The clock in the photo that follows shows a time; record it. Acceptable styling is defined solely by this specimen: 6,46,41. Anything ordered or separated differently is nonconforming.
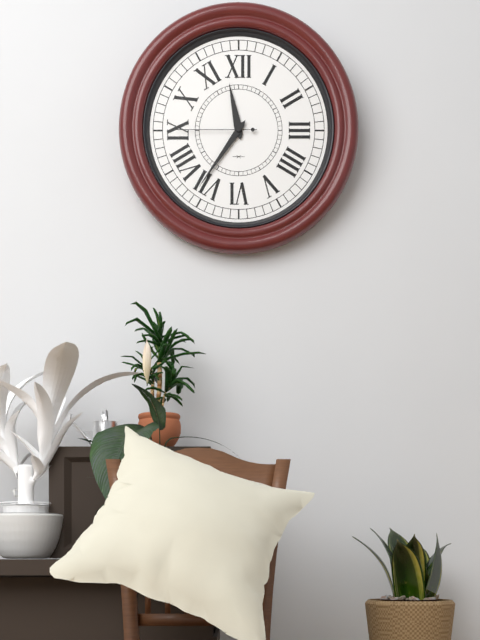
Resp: 11,36,45
